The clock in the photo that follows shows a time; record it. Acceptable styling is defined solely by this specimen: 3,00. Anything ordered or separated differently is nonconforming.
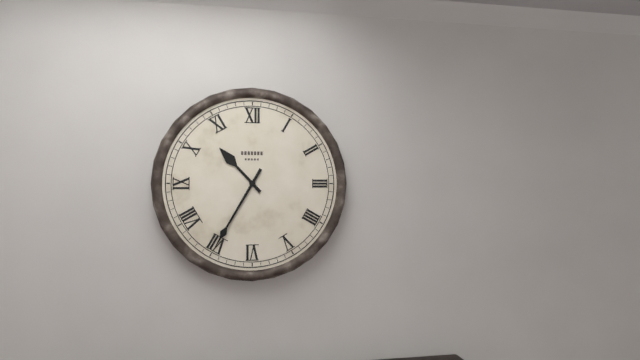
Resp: 10,35
